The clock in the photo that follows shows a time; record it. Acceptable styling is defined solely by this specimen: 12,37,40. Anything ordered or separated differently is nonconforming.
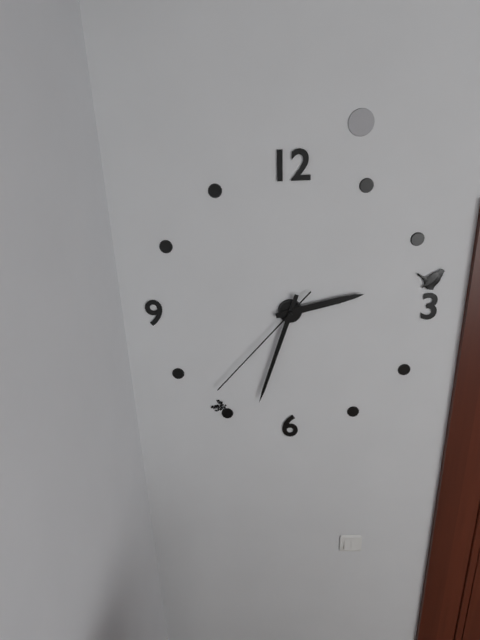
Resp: 2,33,37
